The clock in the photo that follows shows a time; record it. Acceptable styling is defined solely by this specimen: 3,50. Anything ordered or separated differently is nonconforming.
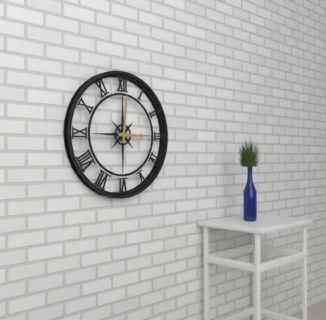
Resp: 3,01
